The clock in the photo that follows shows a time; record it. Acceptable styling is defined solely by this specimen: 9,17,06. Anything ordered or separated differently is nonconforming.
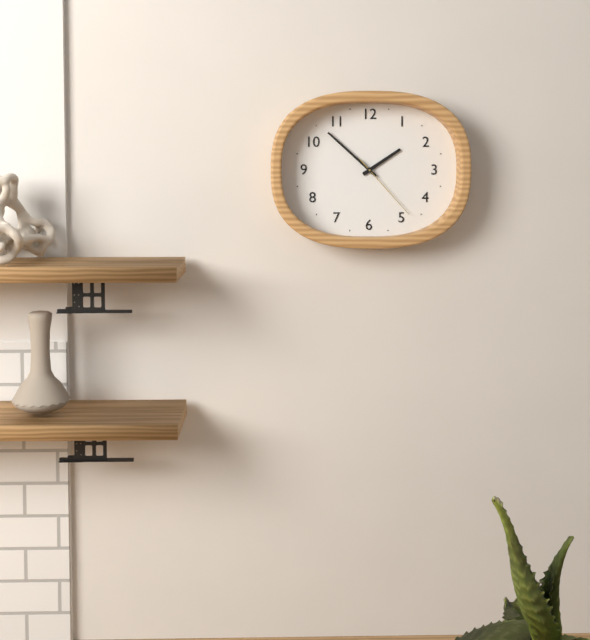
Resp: 1,52,23
